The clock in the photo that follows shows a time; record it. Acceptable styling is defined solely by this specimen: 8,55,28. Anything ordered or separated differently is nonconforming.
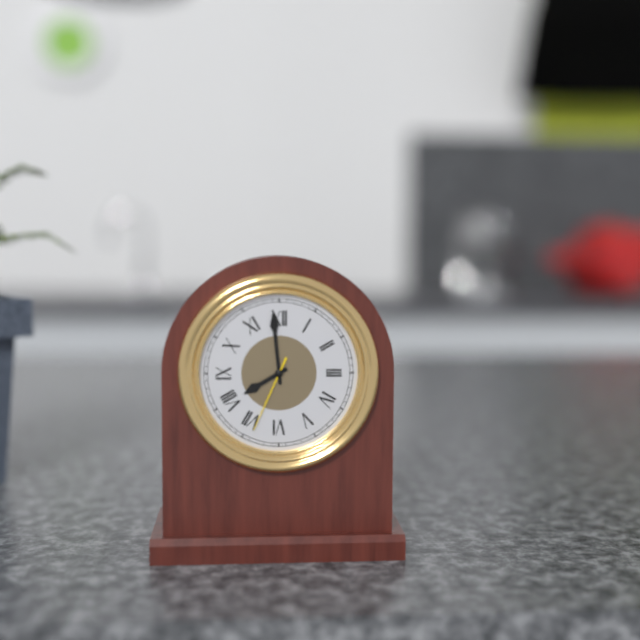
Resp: 7,59,34
